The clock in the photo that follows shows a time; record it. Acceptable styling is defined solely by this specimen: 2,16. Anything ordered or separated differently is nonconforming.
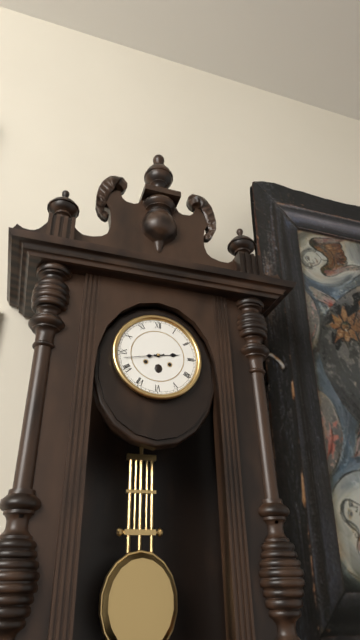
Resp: 2,43
